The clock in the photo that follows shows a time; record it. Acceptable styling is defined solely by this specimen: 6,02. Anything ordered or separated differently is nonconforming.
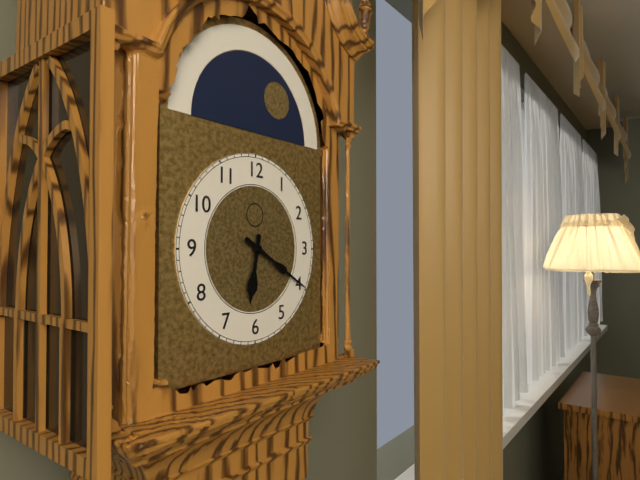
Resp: 6,20
